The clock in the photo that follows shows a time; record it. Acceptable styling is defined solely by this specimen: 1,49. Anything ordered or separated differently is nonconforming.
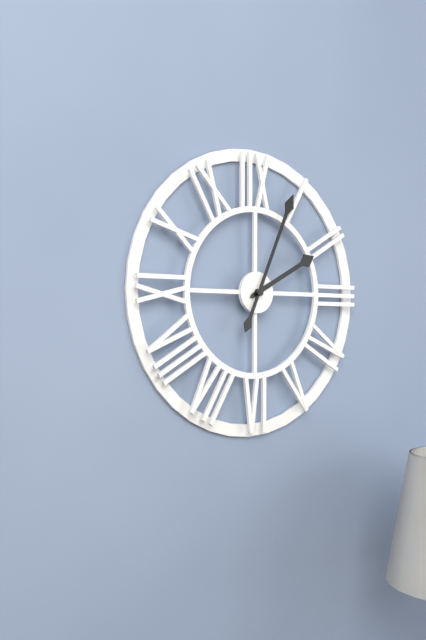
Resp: 2,04
